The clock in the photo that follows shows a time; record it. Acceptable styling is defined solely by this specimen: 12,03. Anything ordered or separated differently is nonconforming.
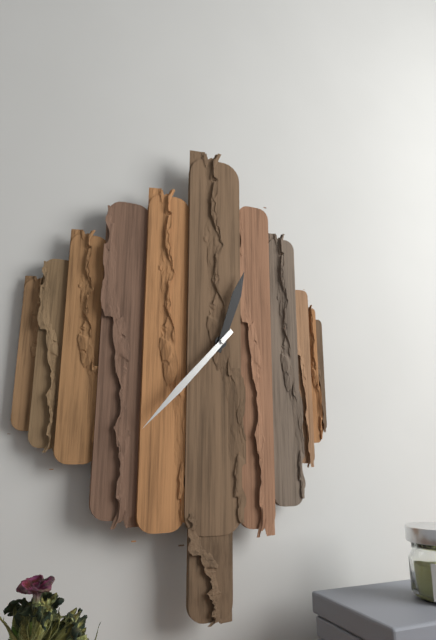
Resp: 12,37
